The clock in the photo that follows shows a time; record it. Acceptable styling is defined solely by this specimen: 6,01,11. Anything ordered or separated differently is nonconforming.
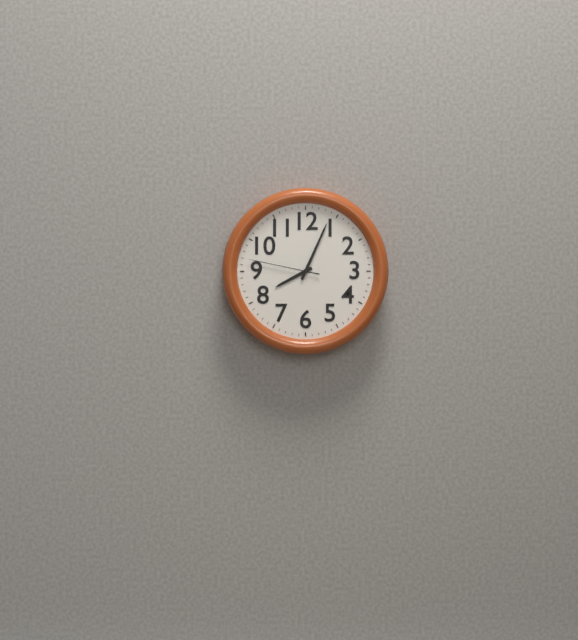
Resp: 8,04,47
